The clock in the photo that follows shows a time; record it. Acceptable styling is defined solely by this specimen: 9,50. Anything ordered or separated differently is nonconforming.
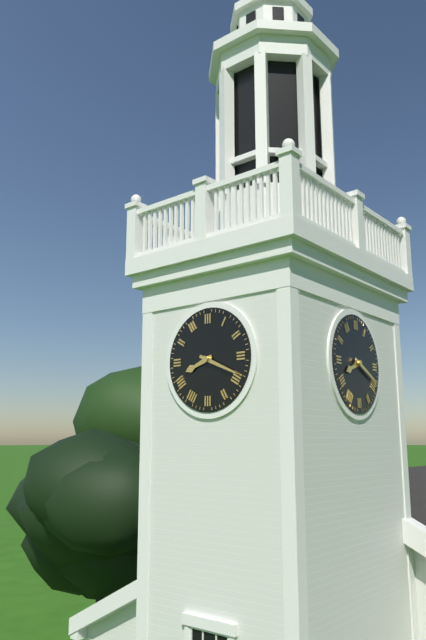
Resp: 8,19
